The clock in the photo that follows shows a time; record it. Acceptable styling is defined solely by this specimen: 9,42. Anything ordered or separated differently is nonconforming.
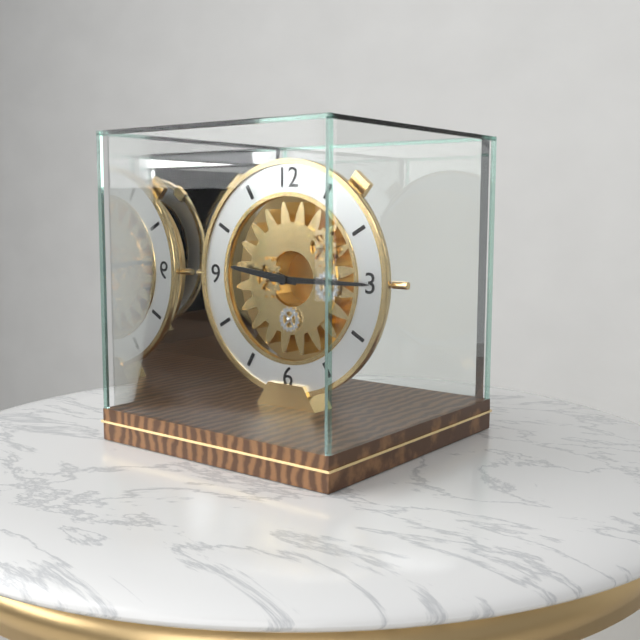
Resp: 9,15
